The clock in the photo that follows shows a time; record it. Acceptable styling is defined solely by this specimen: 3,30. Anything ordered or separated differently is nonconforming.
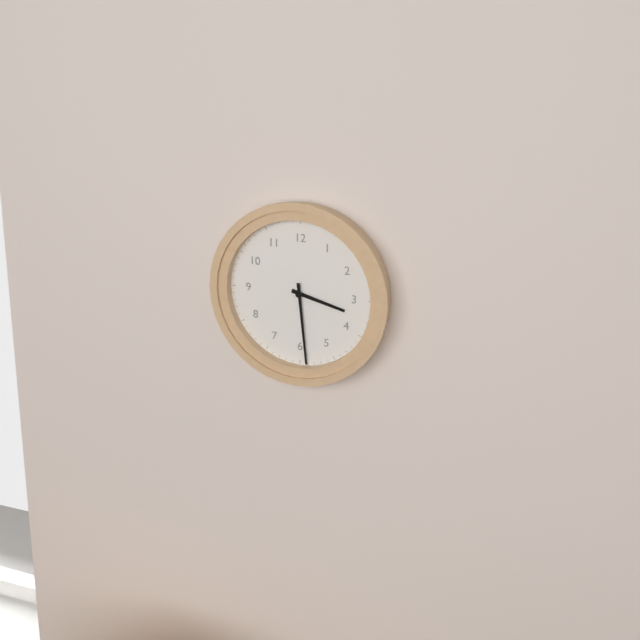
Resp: 3,29
